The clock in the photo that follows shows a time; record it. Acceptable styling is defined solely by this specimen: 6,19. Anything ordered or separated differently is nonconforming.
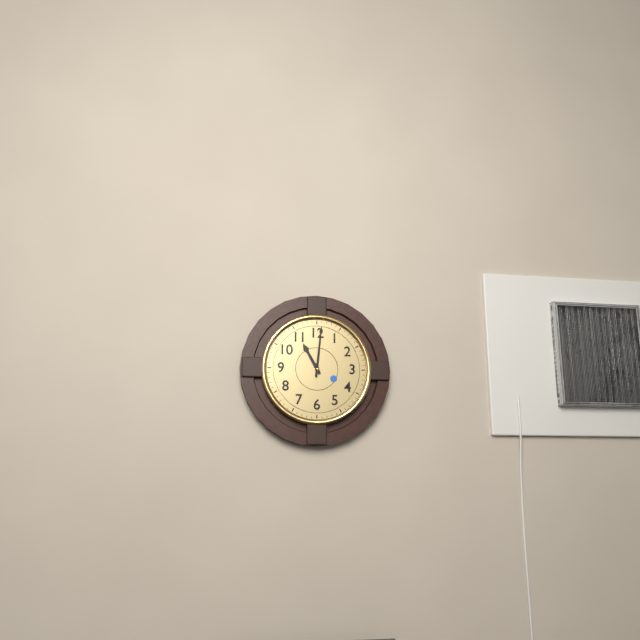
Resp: 11,01
